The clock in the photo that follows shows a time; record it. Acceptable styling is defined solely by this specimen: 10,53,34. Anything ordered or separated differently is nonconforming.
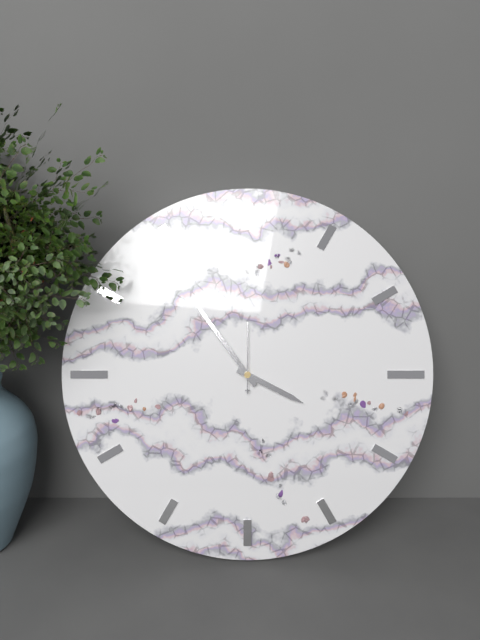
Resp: 3,54,00
